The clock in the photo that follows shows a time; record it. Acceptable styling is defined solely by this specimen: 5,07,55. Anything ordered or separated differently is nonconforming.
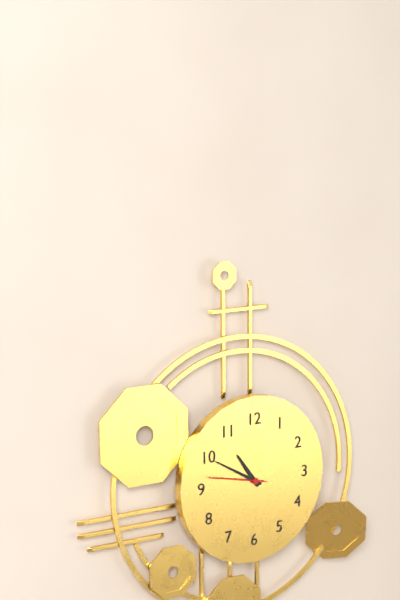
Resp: 10,50,47
